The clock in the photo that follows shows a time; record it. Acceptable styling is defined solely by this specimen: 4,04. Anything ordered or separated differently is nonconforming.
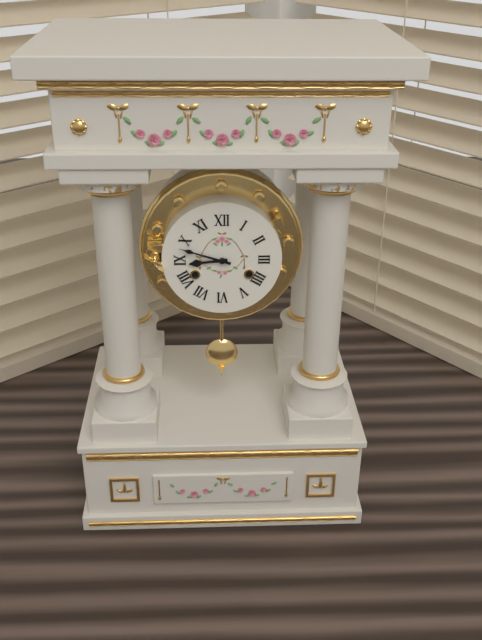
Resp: 8,48
